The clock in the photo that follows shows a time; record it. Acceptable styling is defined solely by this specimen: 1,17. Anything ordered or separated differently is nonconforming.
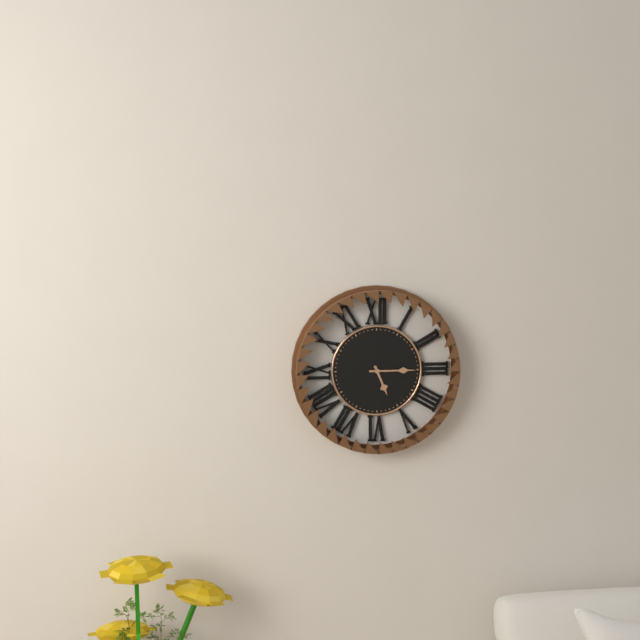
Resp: 5,15
